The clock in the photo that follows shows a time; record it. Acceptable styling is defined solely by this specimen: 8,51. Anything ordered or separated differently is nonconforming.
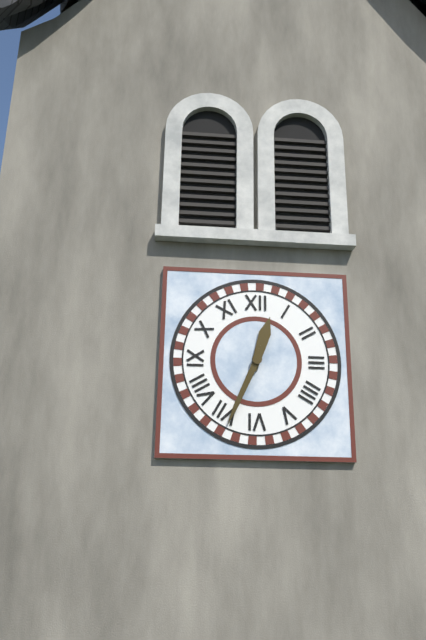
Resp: 12,34
